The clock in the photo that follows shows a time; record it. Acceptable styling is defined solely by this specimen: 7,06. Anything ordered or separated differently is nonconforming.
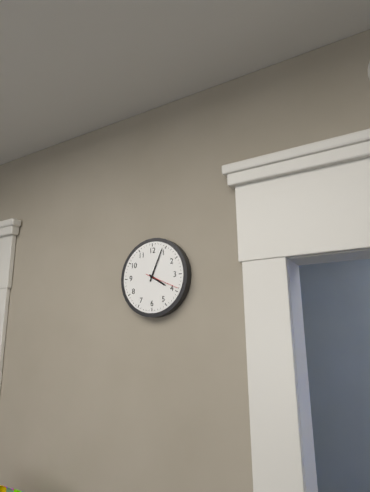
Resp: 4,04
